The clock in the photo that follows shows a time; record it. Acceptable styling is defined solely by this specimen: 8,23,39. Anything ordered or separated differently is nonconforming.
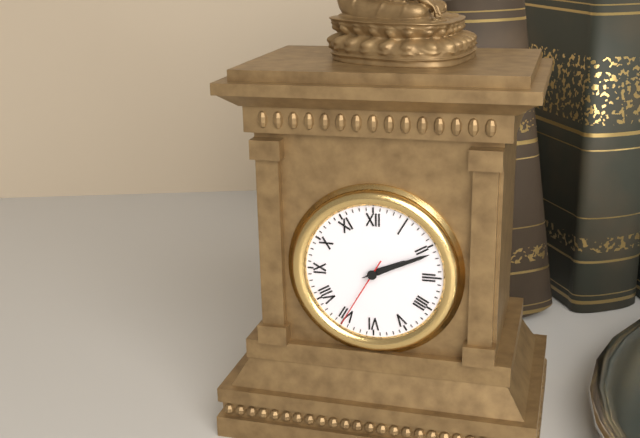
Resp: 2,11,35
